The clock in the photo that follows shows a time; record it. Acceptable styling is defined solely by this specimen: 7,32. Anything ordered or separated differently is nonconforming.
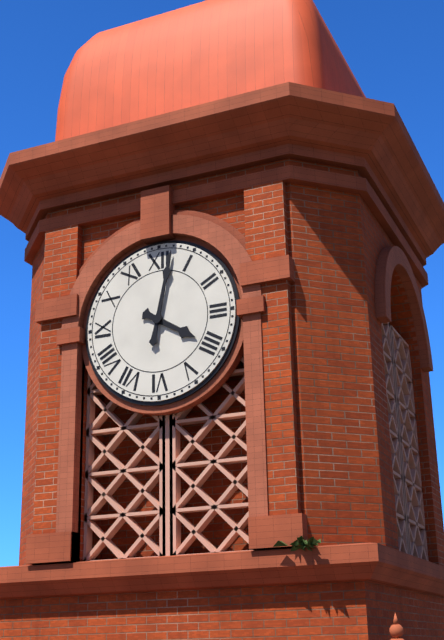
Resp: 4,02
